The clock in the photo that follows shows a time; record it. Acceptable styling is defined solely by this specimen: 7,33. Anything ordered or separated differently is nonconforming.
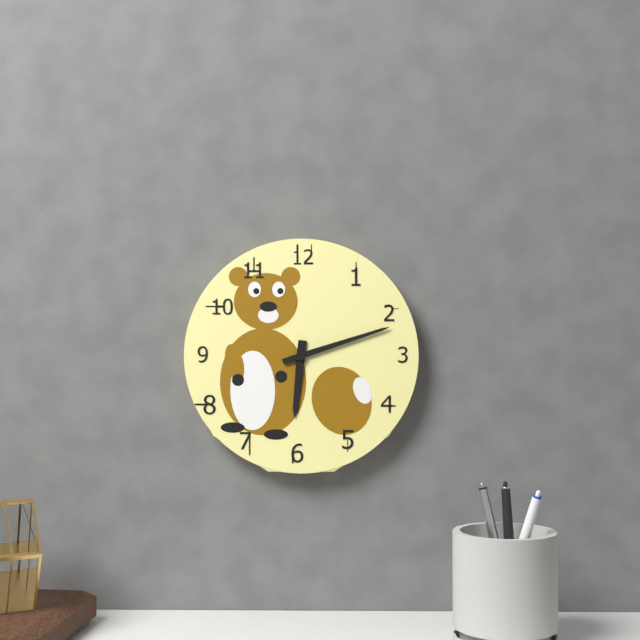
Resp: 6,12
